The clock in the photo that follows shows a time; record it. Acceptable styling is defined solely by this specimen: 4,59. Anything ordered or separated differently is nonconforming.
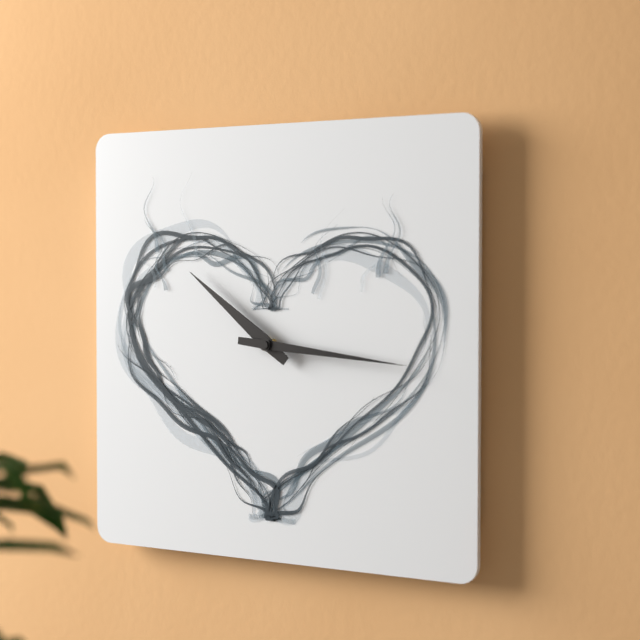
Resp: 10,16
